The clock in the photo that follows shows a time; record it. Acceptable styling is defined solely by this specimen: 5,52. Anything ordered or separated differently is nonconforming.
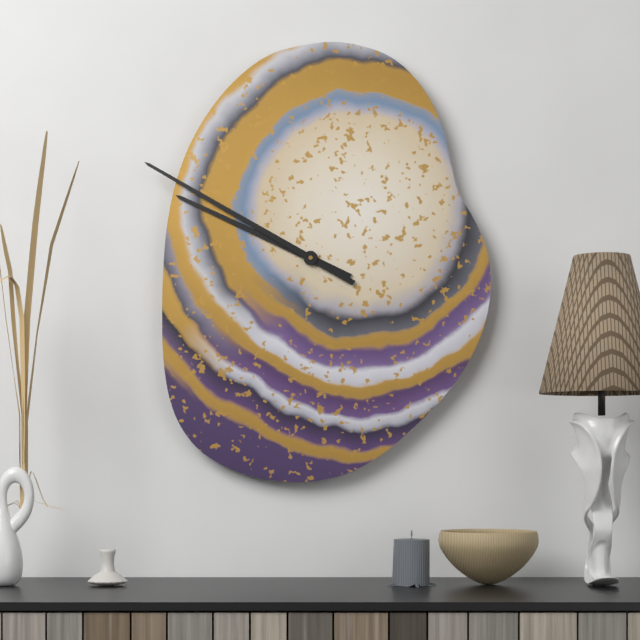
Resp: 9,50
